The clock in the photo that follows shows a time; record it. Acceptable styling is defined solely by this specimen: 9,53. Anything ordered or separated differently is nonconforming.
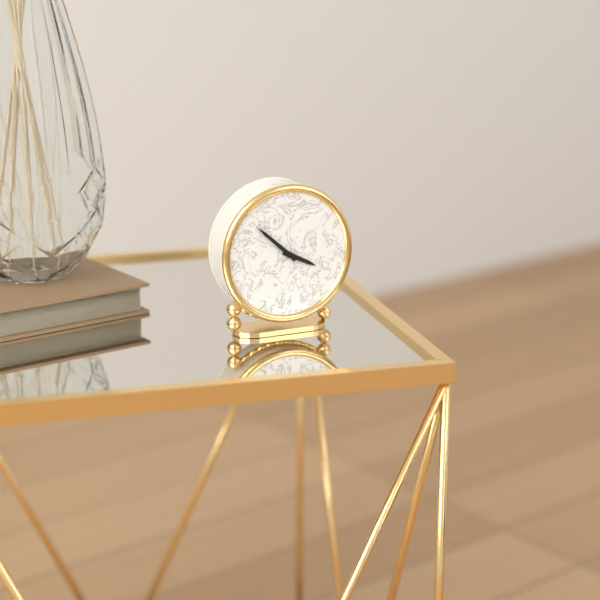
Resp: 3,52
